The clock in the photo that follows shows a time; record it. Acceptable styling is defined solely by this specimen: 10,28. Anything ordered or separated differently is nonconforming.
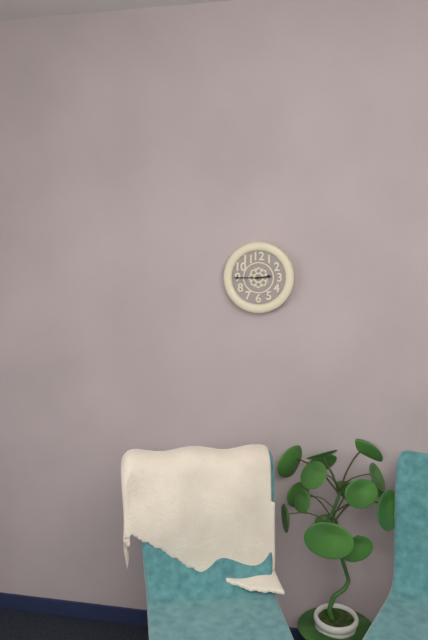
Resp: 2,45
